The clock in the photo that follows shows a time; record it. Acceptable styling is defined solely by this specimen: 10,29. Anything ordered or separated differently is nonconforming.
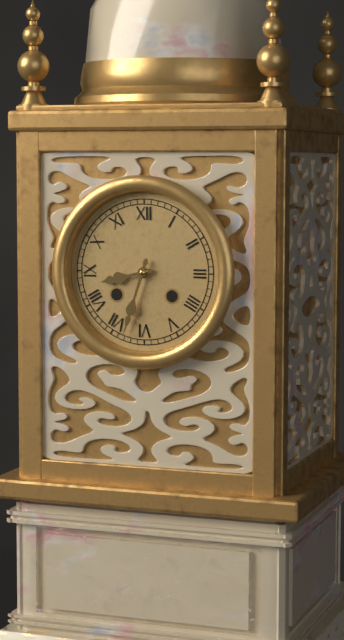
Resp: 8,33
